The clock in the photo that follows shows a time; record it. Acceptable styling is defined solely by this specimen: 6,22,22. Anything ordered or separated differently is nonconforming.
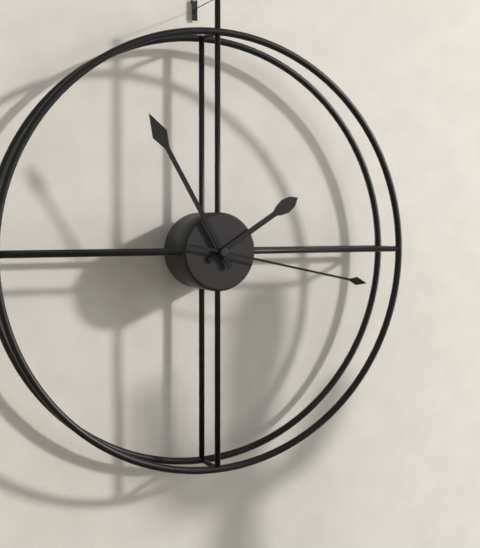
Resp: 1,55,17
